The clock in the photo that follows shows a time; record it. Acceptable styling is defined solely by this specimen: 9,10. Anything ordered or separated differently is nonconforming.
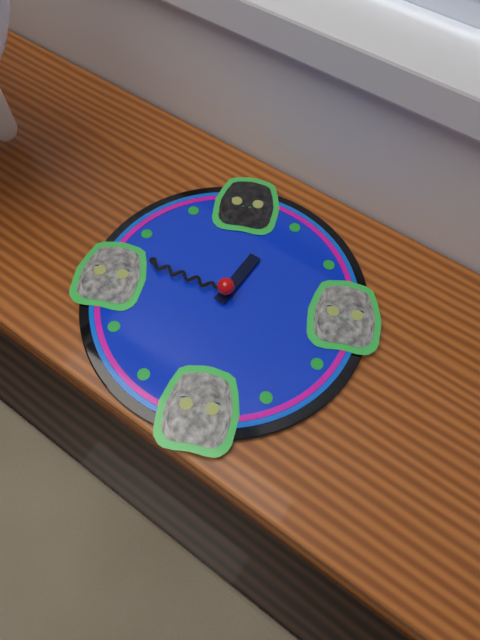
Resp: 12,47
